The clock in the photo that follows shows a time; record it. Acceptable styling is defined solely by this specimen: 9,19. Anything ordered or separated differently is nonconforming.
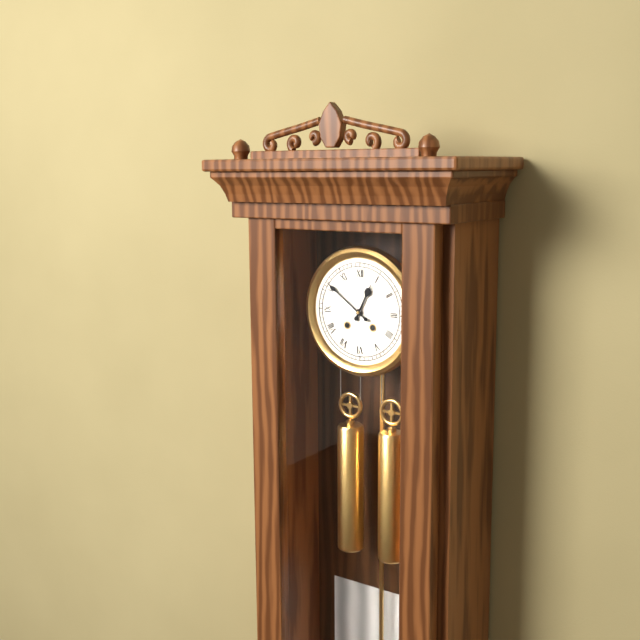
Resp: 12,51
